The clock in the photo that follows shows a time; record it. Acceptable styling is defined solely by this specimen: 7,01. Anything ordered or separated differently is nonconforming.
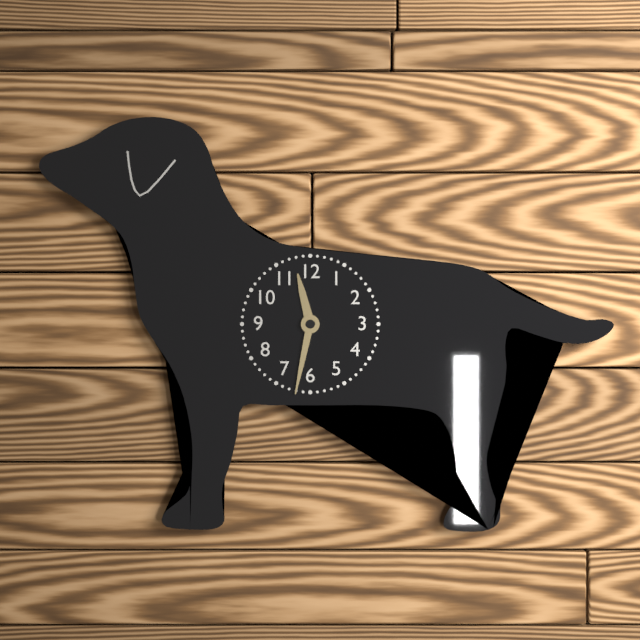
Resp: 11,32
